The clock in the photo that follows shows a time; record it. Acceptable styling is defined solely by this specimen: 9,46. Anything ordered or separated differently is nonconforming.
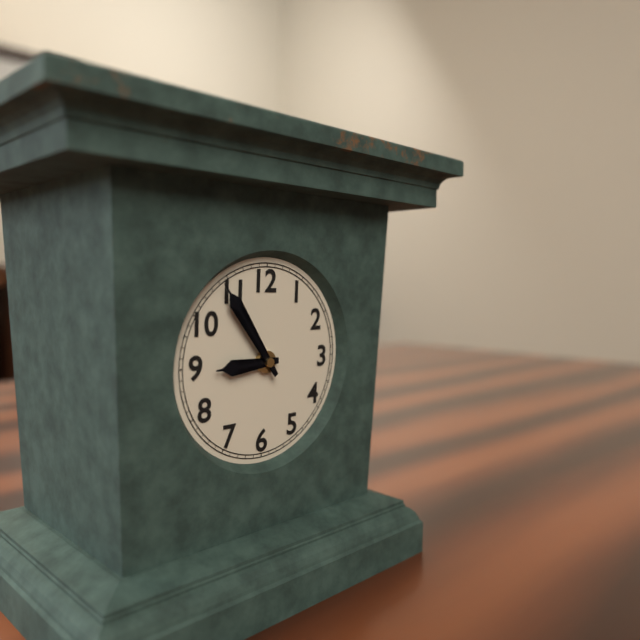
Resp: 8,54
